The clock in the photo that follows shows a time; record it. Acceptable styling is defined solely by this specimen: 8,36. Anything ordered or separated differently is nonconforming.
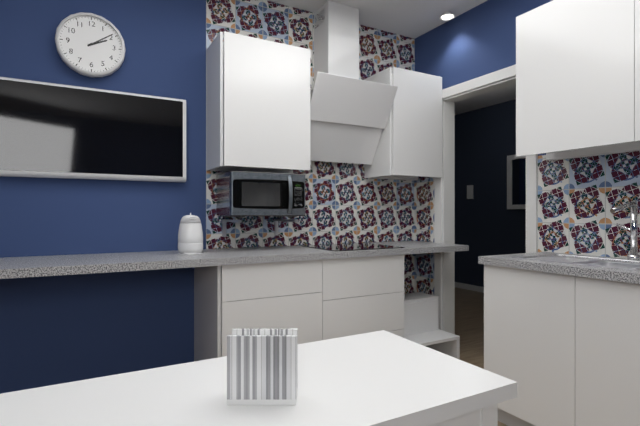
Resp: 2,09
